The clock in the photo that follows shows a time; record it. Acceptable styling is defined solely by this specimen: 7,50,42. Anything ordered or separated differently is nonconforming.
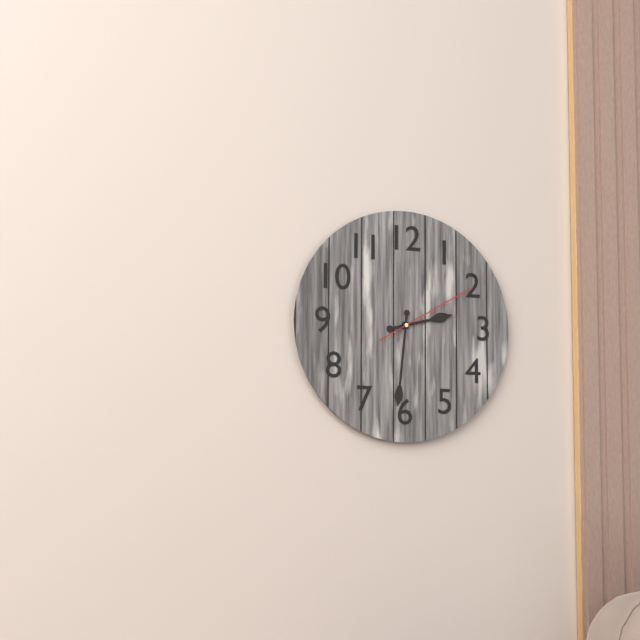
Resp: 2,31,10
